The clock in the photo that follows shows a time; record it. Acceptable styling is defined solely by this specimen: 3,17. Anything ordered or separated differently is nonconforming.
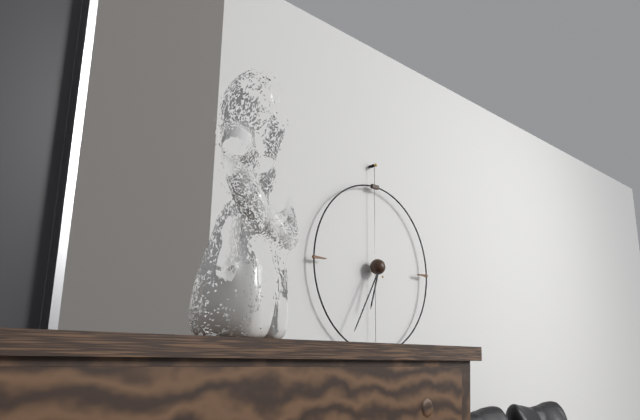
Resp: 6,35
